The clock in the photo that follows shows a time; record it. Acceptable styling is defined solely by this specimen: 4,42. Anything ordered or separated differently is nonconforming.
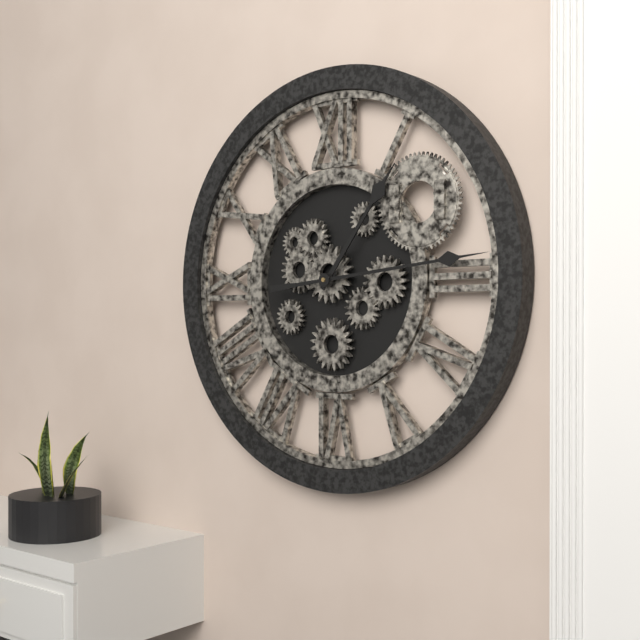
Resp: 1,14
